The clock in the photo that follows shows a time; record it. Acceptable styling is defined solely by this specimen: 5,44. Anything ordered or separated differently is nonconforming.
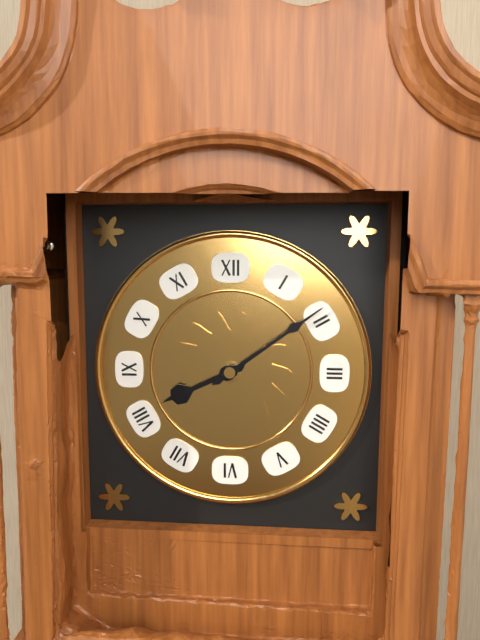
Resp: 8,09
